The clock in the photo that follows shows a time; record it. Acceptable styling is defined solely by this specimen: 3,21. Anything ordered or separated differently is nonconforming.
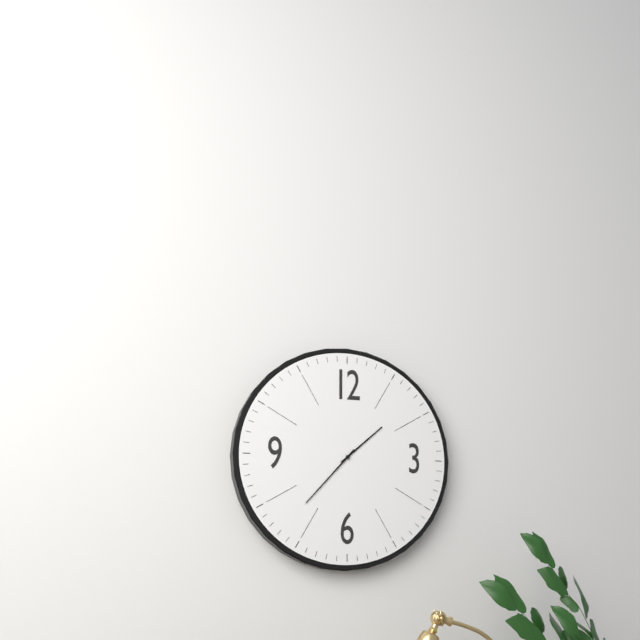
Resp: 1,37
